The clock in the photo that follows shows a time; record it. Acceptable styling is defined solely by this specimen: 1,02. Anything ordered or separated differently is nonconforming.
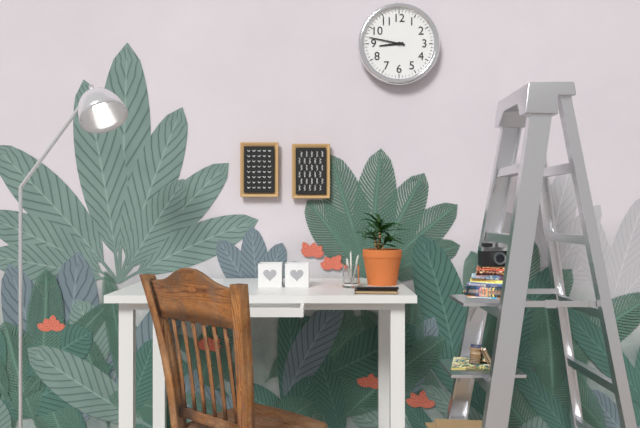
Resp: 8,47
